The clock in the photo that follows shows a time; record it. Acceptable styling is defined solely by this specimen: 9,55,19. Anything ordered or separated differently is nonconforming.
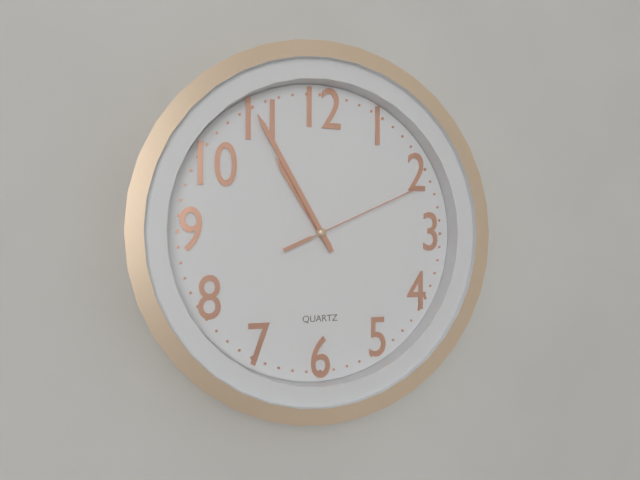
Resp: 10,55,11
